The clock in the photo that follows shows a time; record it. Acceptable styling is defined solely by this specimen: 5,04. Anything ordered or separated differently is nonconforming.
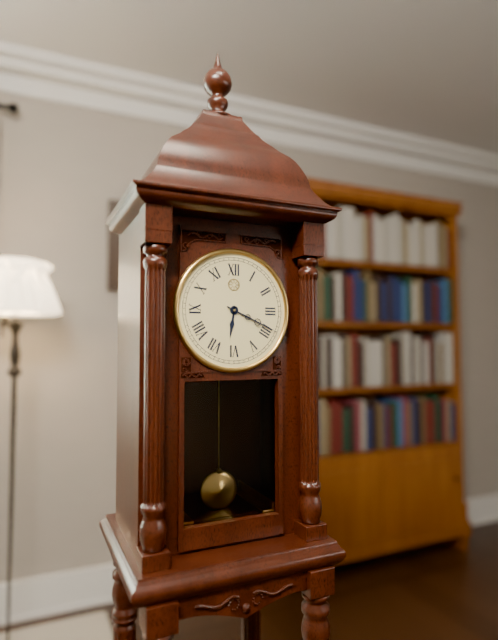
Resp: 6,19
